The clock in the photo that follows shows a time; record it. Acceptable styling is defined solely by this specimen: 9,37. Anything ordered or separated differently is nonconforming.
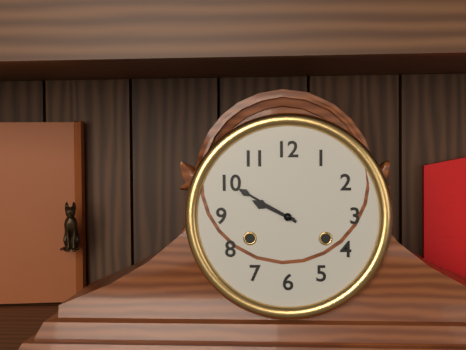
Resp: 9,50
